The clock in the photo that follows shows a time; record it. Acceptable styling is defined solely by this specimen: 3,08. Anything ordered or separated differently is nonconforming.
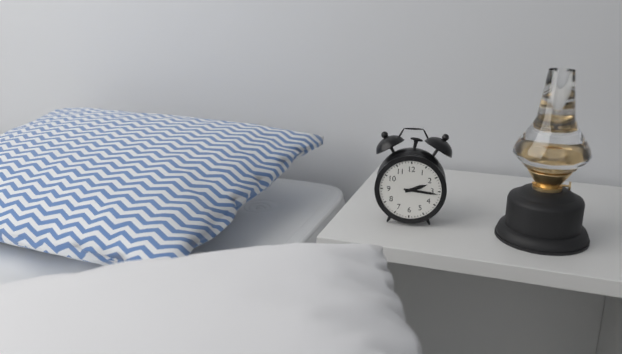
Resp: 2,16
